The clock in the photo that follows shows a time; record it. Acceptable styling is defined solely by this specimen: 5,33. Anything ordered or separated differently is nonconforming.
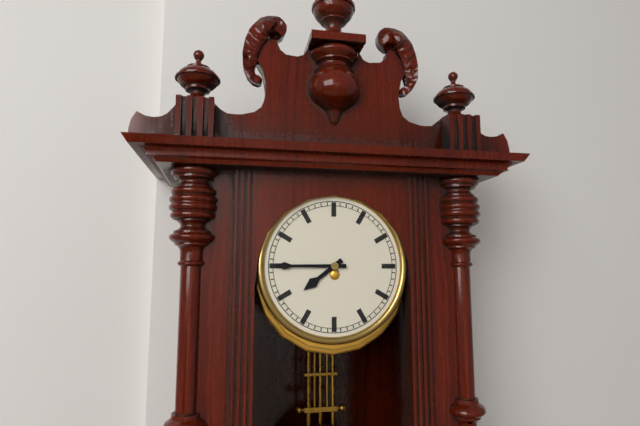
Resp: 7,45
